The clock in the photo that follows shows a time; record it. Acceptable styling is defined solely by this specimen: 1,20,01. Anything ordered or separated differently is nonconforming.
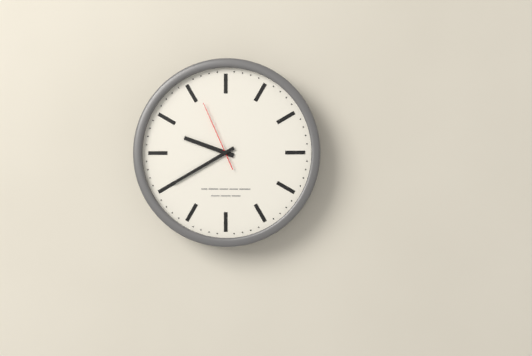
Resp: 9,40,56
